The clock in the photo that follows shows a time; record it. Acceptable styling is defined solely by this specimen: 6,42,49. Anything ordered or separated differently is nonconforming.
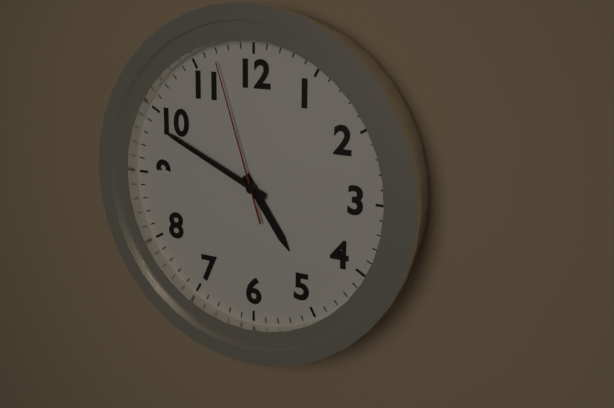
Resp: 4,49,57
